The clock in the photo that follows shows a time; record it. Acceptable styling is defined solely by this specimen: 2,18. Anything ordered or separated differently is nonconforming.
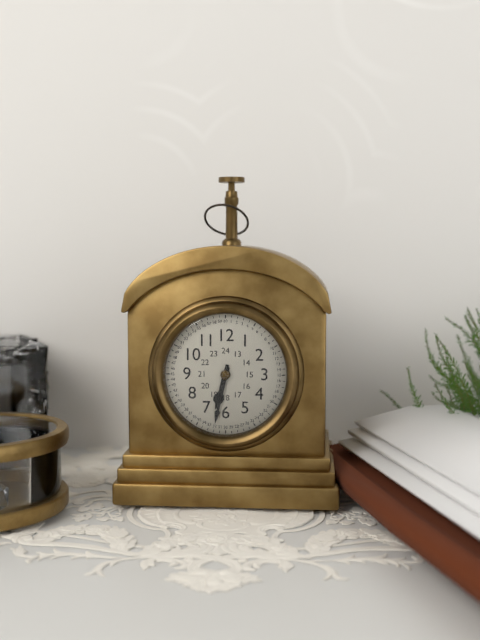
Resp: 6,32
